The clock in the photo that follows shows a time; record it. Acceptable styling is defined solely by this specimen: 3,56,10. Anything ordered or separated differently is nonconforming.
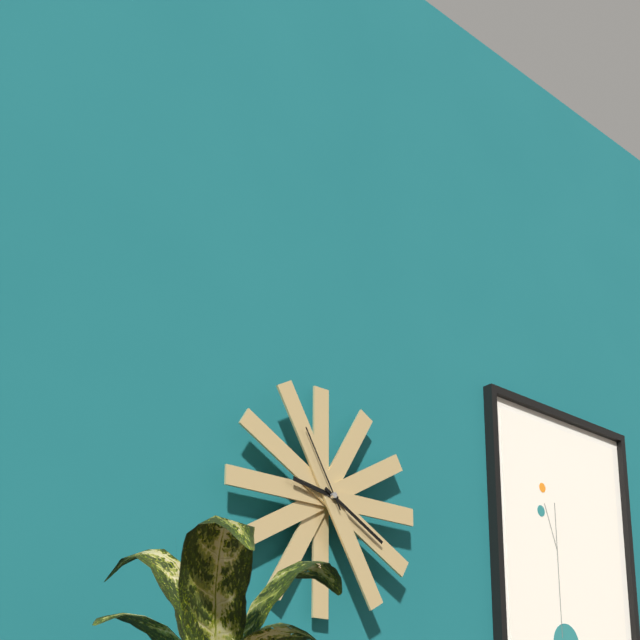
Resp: 9,20,55
